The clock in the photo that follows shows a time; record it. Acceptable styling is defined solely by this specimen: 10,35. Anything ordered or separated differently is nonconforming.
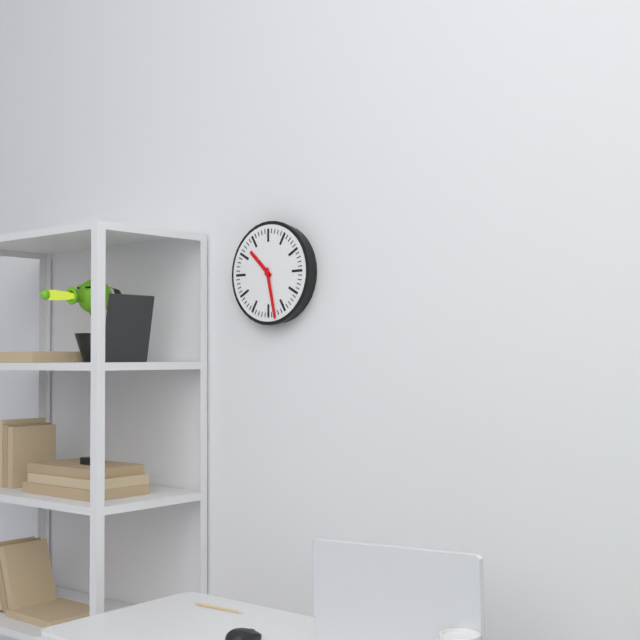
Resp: 10,28
